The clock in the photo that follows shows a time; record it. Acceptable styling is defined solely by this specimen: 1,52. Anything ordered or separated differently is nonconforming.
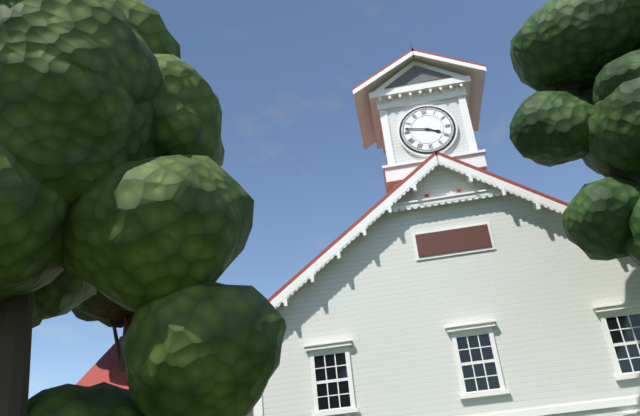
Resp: 3,47
